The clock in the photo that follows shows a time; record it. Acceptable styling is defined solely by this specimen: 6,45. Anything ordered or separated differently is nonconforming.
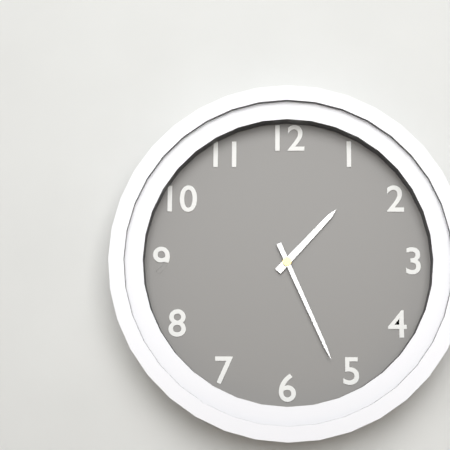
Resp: 1,26
